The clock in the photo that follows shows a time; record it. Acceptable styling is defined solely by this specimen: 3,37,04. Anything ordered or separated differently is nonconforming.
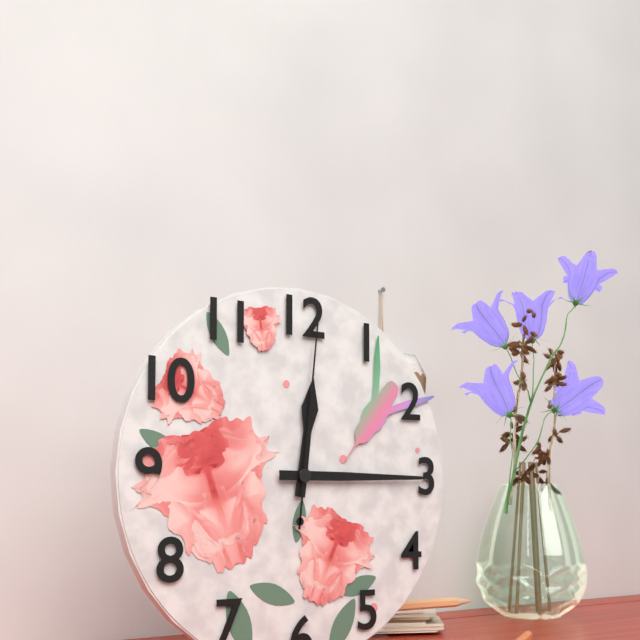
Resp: 12,15,01
